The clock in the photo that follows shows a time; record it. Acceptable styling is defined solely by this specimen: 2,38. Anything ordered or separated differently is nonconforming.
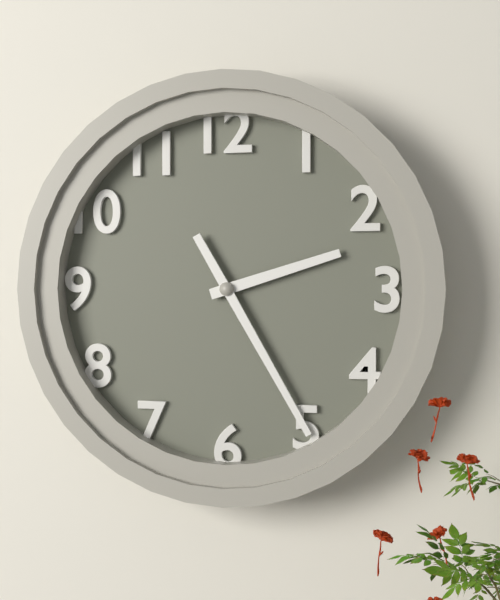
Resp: 2,25
